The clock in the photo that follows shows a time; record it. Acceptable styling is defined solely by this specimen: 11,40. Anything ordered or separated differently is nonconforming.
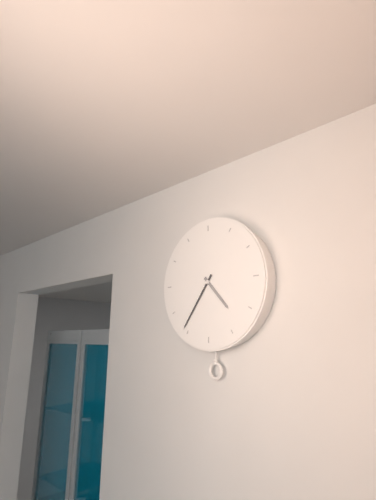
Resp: 4,36
